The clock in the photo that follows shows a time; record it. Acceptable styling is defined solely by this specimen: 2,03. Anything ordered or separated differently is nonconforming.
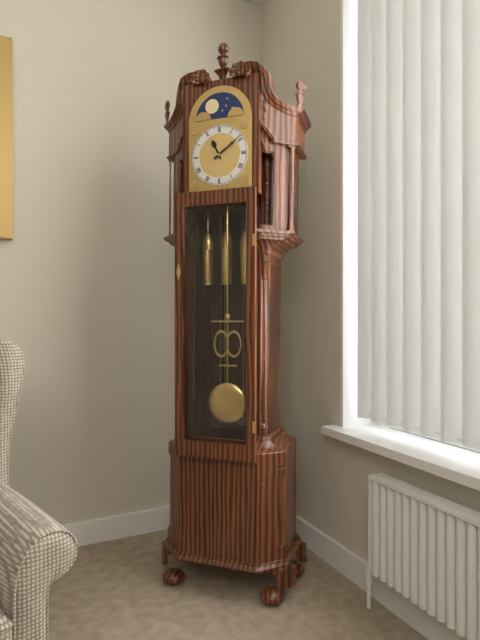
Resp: 11,09
